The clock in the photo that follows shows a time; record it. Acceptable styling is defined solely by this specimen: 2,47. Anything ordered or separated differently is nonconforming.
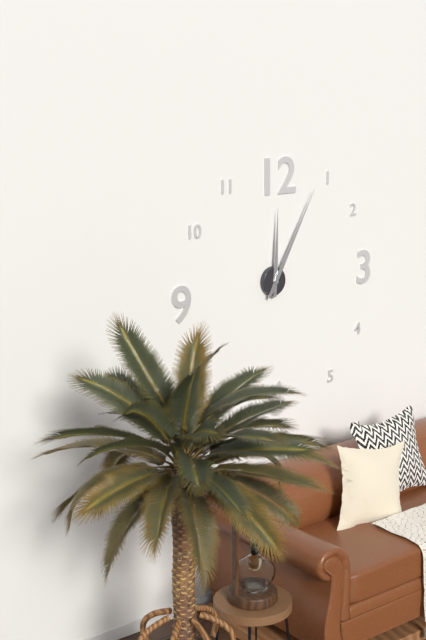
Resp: 12,05
